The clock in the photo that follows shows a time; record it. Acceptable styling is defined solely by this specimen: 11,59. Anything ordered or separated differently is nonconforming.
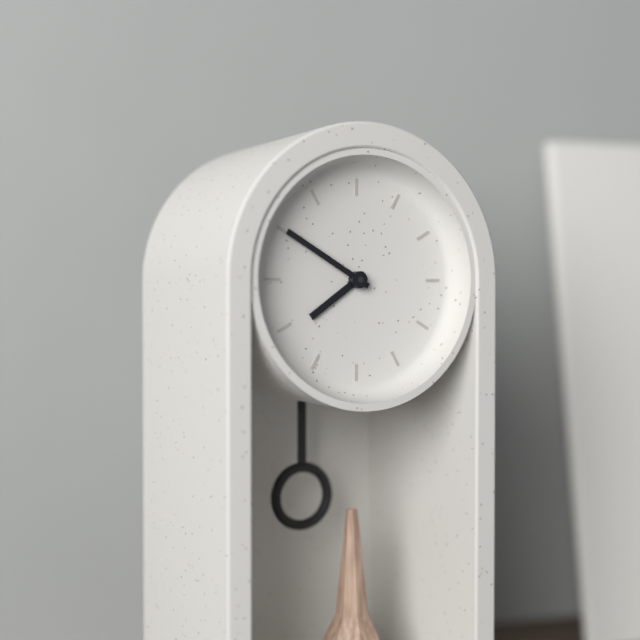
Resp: 7,50
